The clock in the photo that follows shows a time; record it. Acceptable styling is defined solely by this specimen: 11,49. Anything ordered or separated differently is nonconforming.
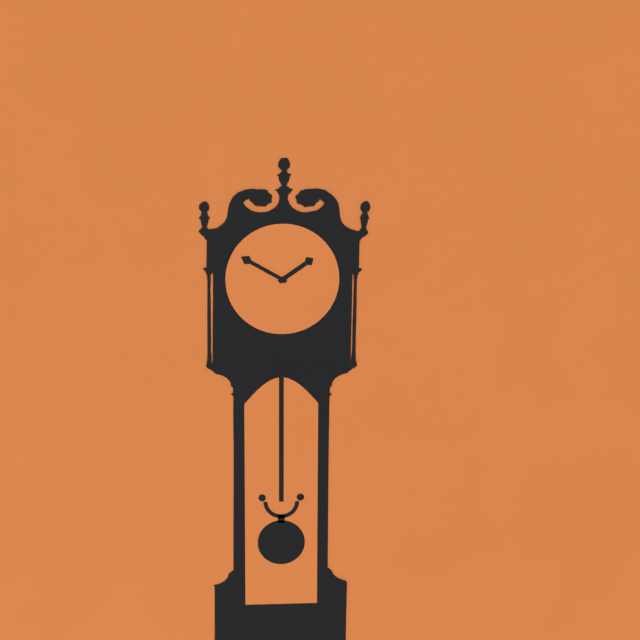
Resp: 1,50
